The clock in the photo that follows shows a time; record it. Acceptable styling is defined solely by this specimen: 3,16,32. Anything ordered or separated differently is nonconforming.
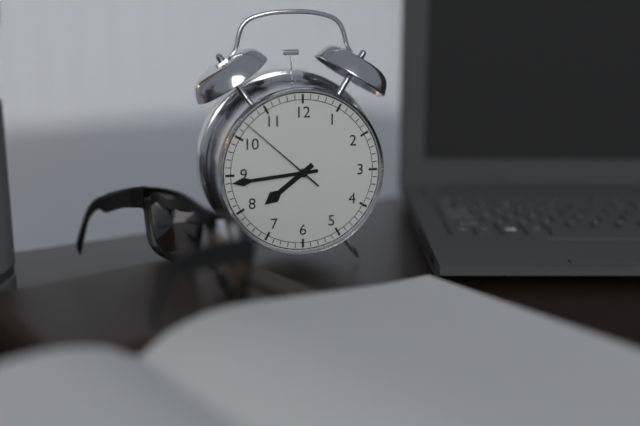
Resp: 7,44,52
